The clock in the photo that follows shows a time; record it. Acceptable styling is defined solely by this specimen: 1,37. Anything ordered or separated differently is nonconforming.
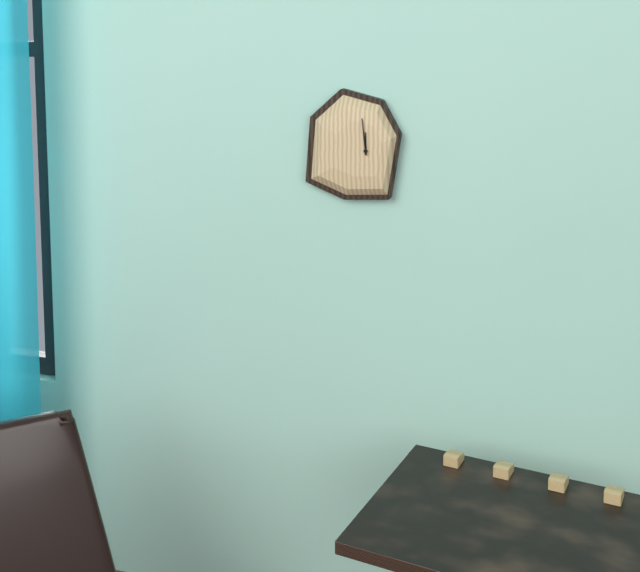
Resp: 11,59
